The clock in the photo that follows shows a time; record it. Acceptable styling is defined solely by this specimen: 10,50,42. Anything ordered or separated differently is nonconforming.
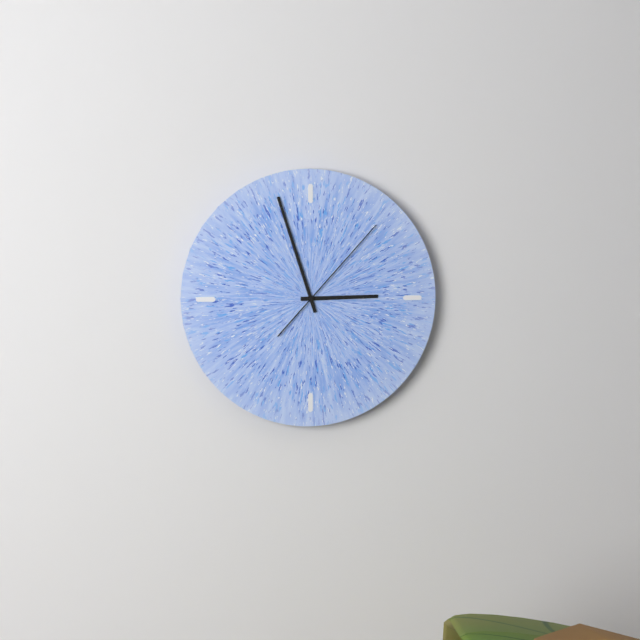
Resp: 2,57,07
